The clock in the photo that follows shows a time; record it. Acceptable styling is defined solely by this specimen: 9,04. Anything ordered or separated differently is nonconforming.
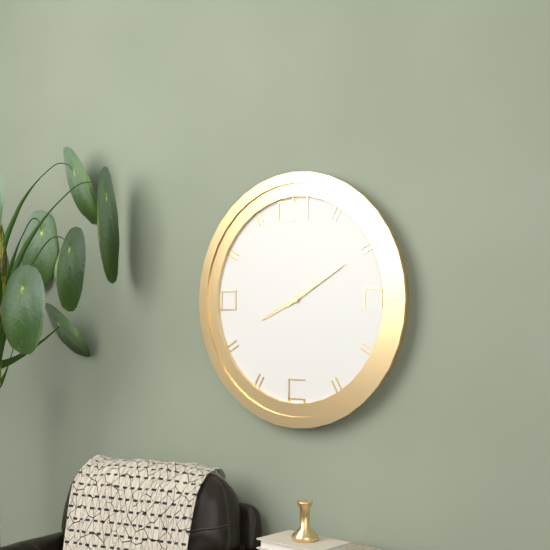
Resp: 8,10
